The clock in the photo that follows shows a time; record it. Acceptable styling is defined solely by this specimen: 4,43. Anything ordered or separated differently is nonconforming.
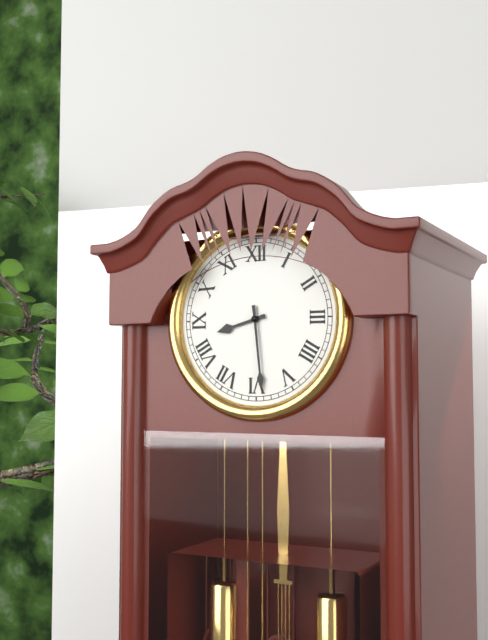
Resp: 8,29
